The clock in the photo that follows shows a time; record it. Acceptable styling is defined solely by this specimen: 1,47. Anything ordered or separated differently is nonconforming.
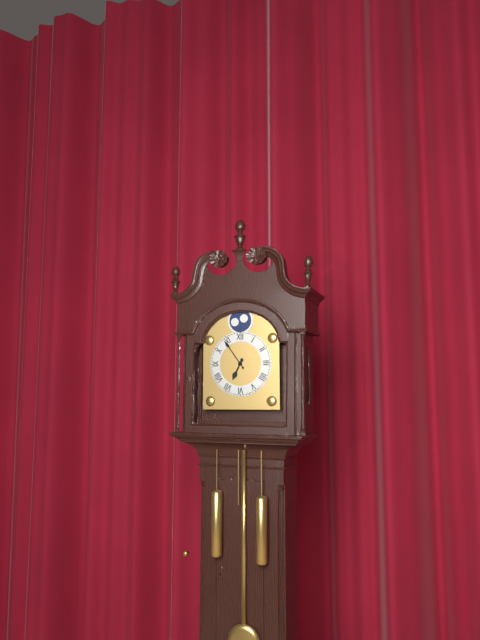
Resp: 6,54
